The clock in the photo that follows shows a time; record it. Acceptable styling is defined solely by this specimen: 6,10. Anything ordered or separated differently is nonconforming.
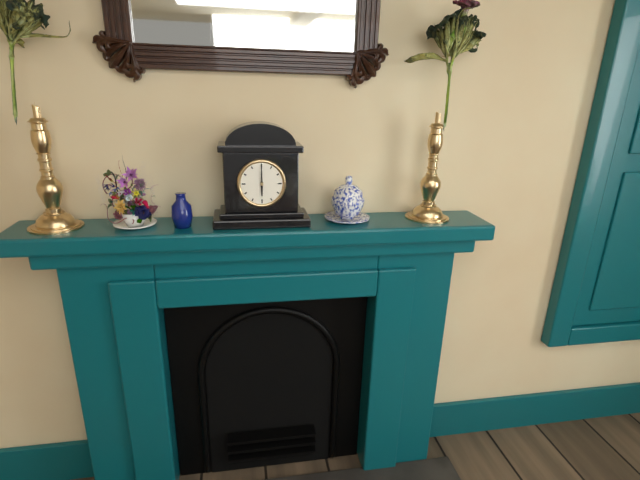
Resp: 6,00
